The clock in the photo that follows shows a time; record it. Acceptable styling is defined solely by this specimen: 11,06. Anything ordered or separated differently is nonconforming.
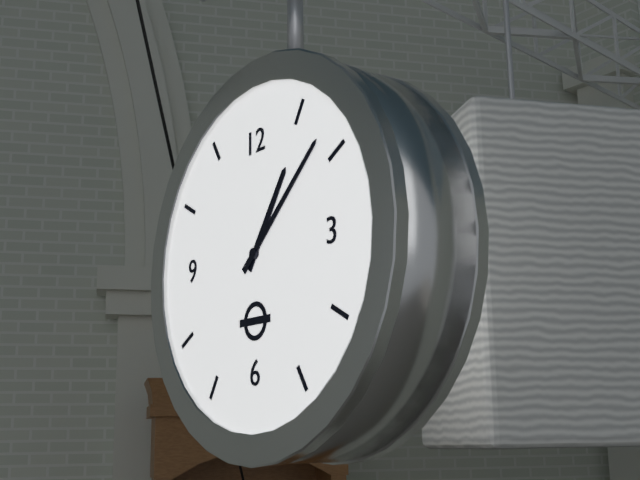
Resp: 1,08
